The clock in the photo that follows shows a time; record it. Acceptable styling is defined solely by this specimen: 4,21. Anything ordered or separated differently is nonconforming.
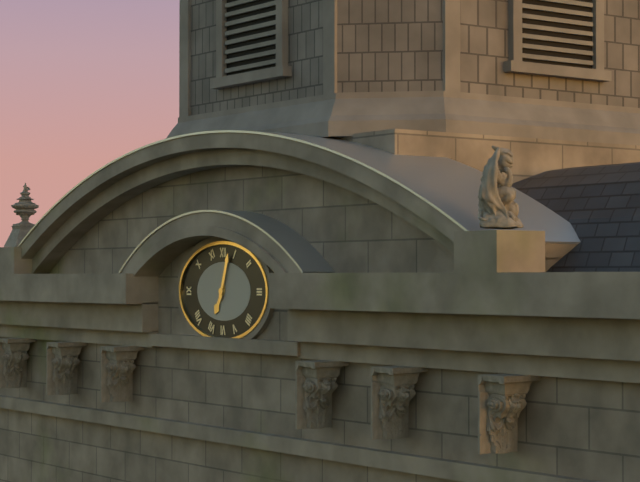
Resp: 7,03
